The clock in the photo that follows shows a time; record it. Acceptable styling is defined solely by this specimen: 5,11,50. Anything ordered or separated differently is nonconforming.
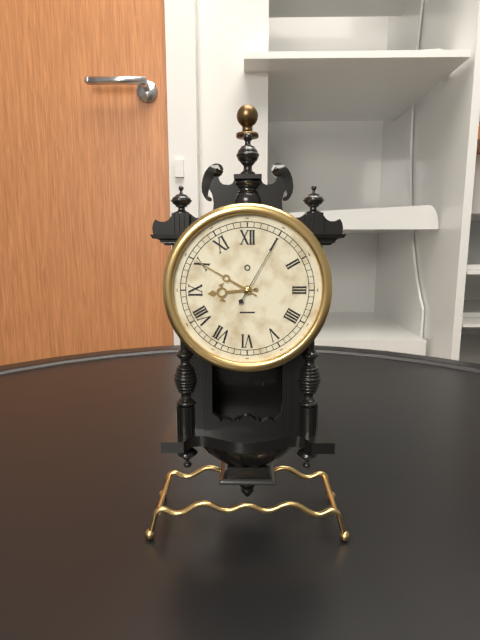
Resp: 8,50,05
